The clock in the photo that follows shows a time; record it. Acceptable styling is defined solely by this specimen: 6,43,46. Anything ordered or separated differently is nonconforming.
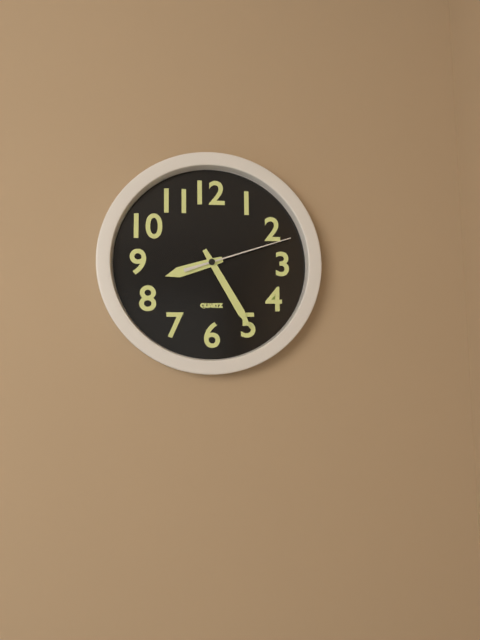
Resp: 8,25,12
